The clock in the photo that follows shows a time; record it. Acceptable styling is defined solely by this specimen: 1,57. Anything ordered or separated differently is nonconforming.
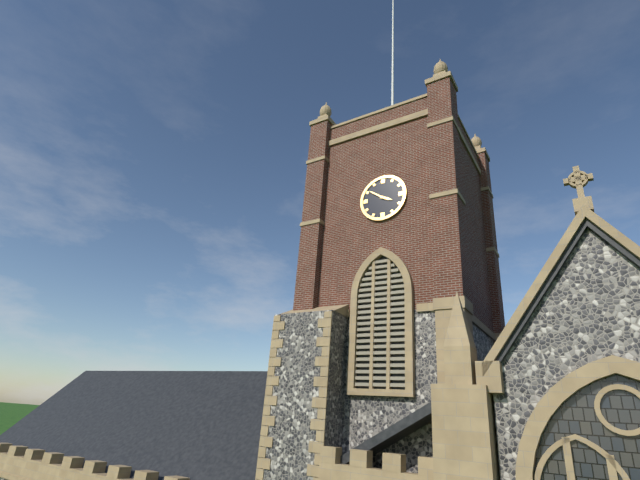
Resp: 3,51
